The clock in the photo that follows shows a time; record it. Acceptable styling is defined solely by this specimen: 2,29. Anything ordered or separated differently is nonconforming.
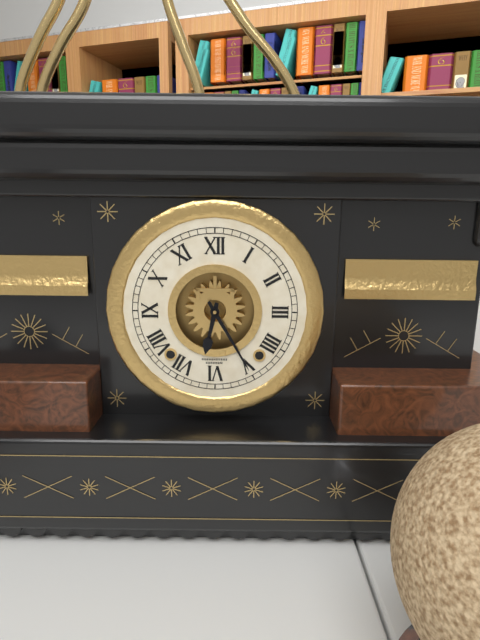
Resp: 6,25
